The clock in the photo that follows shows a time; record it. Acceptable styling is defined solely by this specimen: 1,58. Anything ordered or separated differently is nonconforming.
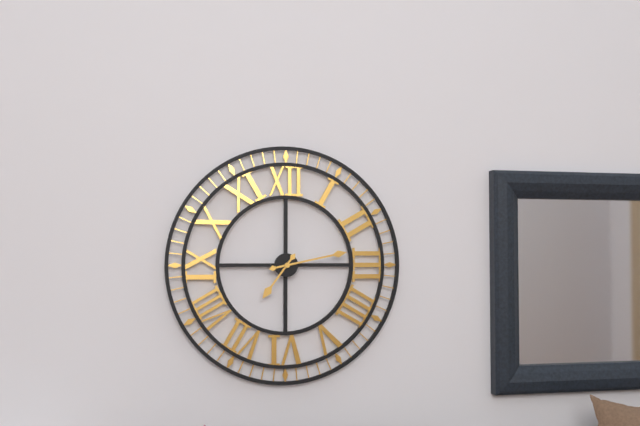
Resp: 7,13
